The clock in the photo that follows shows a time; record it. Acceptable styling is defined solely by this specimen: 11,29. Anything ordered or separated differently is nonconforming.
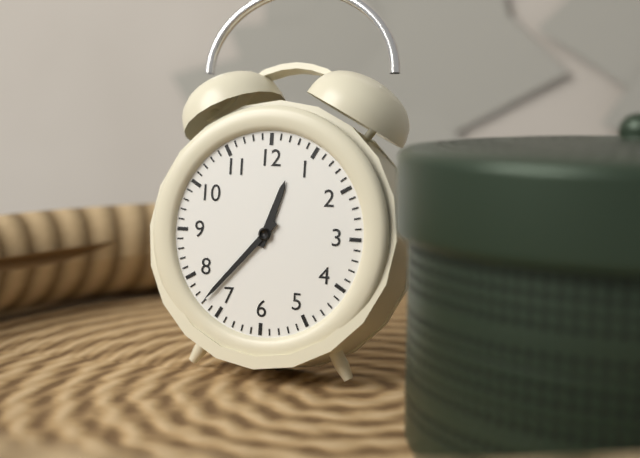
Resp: 12,37
